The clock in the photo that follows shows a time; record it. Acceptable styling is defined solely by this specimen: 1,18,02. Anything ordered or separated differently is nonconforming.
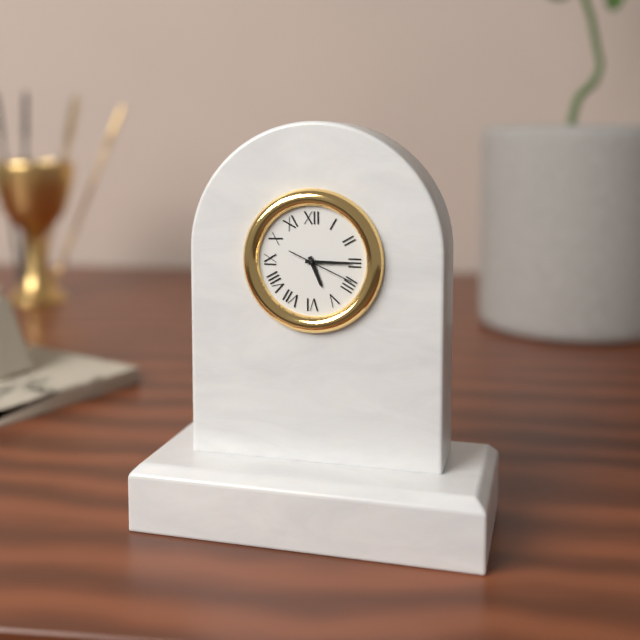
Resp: 5,15,19
